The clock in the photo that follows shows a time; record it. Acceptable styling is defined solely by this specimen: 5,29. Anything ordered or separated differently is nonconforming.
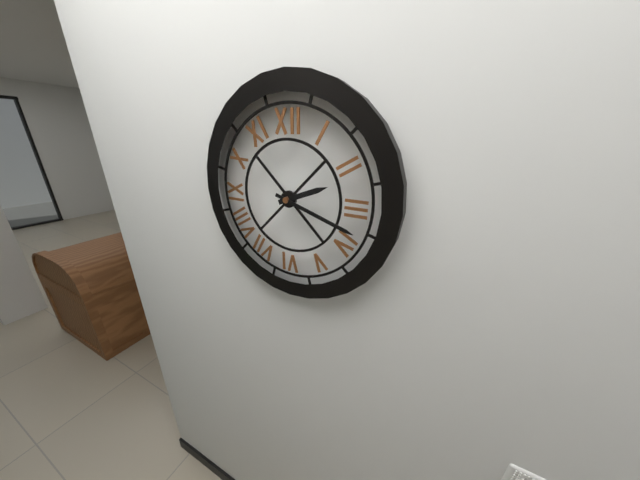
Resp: 2,18
